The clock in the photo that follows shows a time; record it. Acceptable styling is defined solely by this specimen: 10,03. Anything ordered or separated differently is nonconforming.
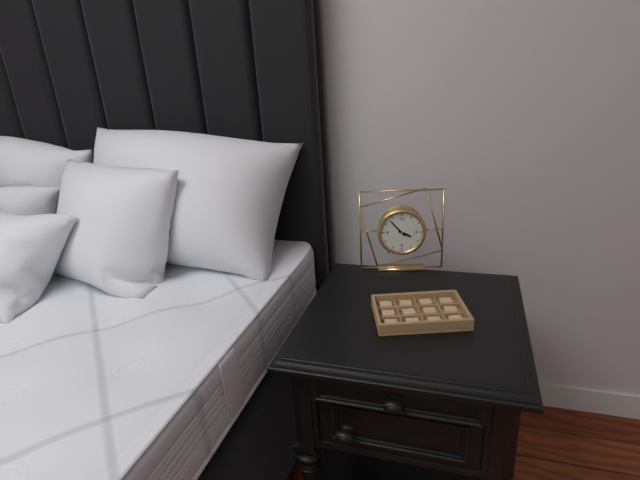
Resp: 3,53
